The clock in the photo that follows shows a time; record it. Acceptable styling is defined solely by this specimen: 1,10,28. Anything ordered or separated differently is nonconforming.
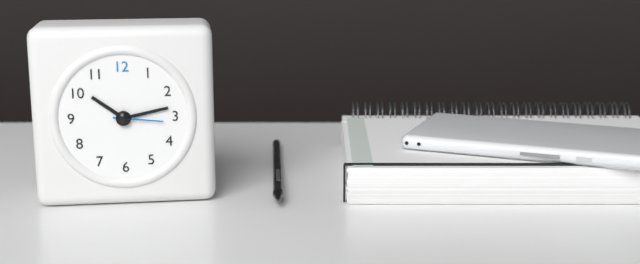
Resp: 10,13,16
